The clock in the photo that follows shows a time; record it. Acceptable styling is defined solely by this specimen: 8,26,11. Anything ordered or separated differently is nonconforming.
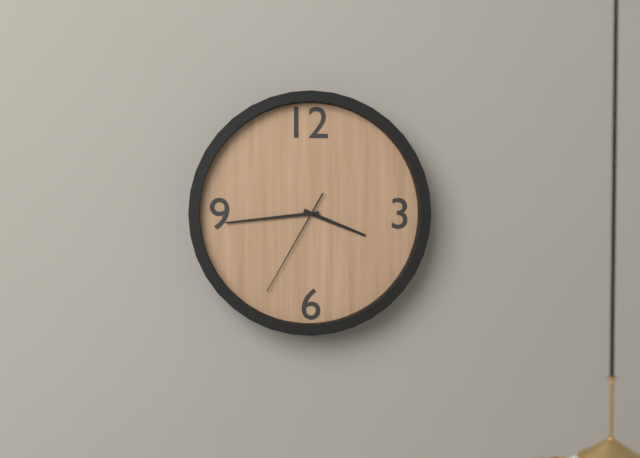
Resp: 3,44,35
